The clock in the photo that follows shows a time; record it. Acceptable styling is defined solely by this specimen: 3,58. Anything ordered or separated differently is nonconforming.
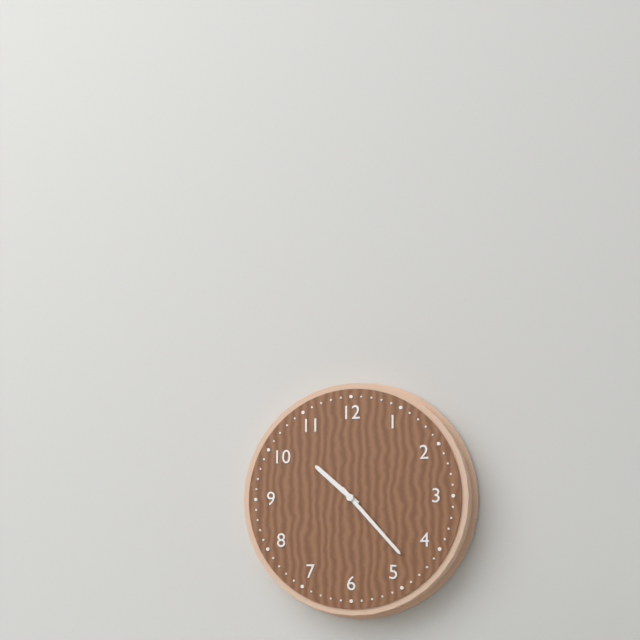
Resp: 10,23
